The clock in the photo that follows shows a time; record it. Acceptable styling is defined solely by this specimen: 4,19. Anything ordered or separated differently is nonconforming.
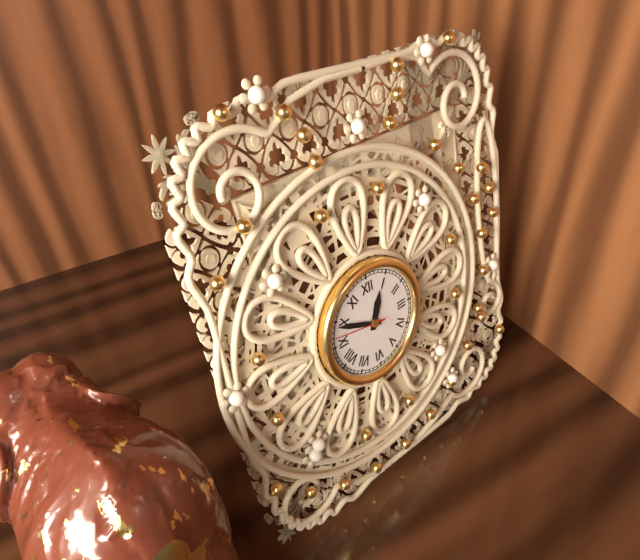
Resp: 12,49
